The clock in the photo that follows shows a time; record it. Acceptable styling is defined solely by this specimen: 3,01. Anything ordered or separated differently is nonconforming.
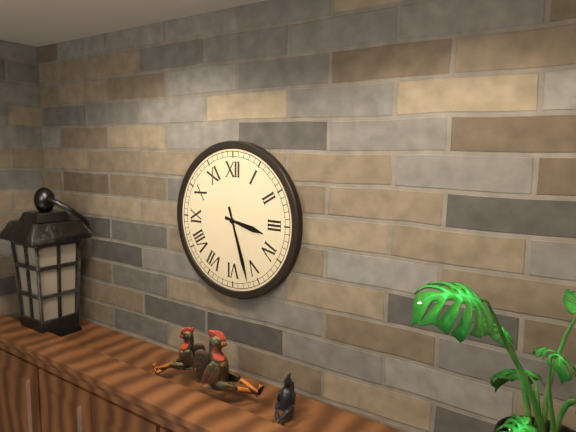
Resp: 3,27
